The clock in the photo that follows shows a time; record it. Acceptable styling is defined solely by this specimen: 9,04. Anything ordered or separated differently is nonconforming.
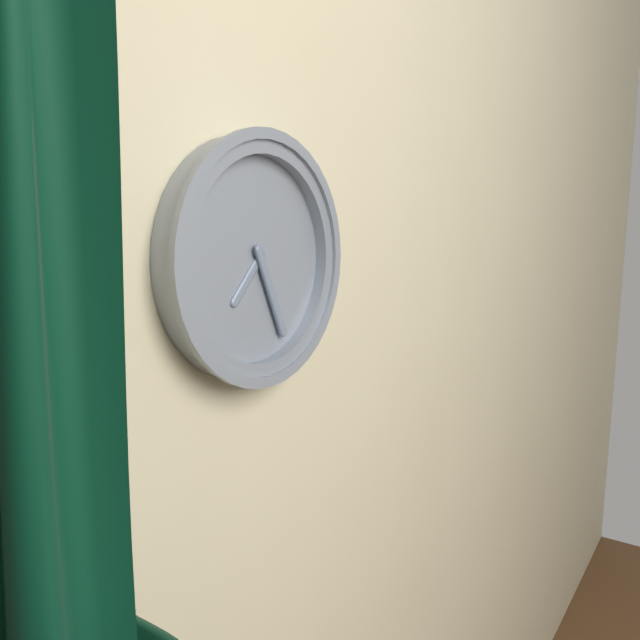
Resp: 7,26
